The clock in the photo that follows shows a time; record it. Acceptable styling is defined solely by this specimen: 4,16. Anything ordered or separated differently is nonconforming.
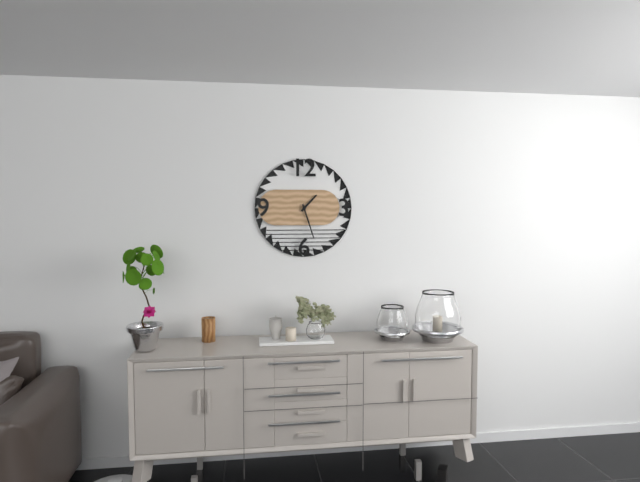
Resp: 1,27
